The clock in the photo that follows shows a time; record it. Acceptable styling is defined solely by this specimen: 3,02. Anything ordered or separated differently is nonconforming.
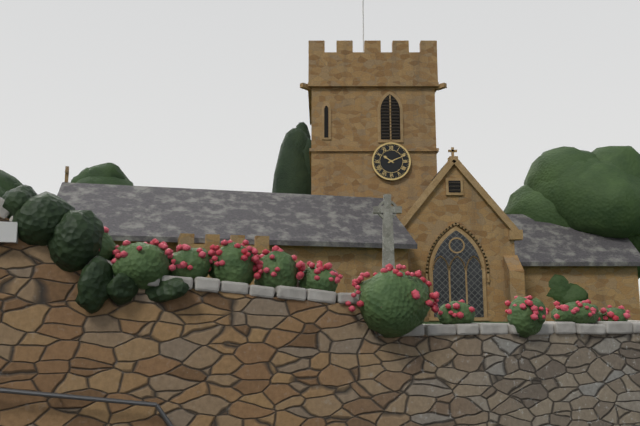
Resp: 10,11
